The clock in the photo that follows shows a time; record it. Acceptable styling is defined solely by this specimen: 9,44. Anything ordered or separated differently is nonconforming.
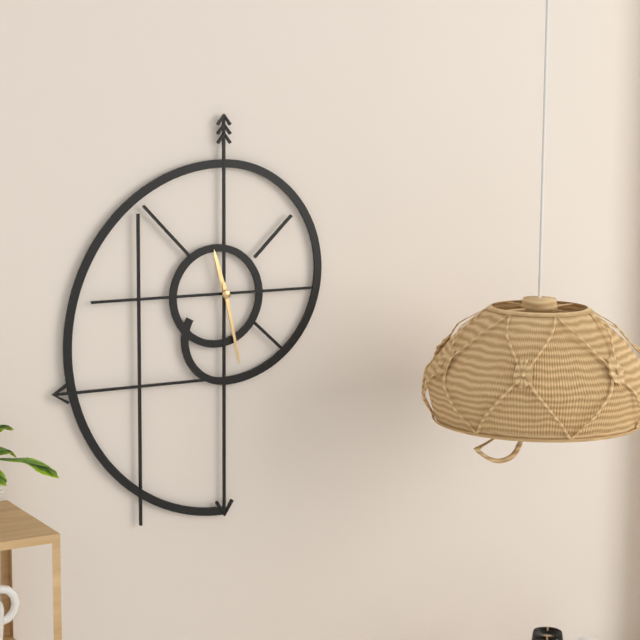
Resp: 11,28
